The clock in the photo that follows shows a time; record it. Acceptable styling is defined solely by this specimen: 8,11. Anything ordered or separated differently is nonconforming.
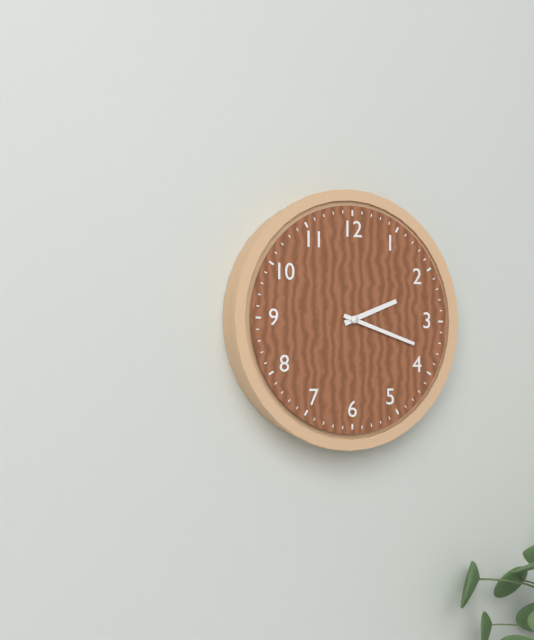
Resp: 2,18
